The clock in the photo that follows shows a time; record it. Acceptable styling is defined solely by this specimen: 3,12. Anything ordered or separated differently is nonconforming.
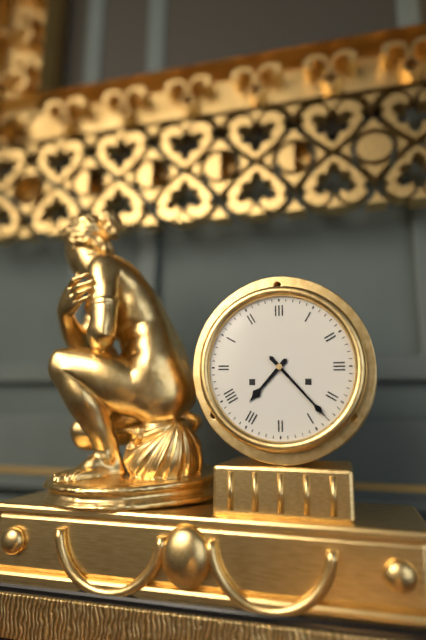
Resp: 7,23
